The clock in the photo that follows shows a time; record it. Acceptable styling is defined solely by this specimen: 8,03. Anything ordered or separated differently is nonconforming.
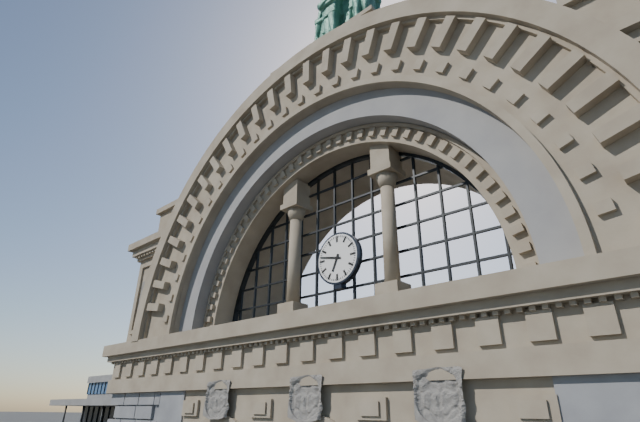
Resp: 6,47
